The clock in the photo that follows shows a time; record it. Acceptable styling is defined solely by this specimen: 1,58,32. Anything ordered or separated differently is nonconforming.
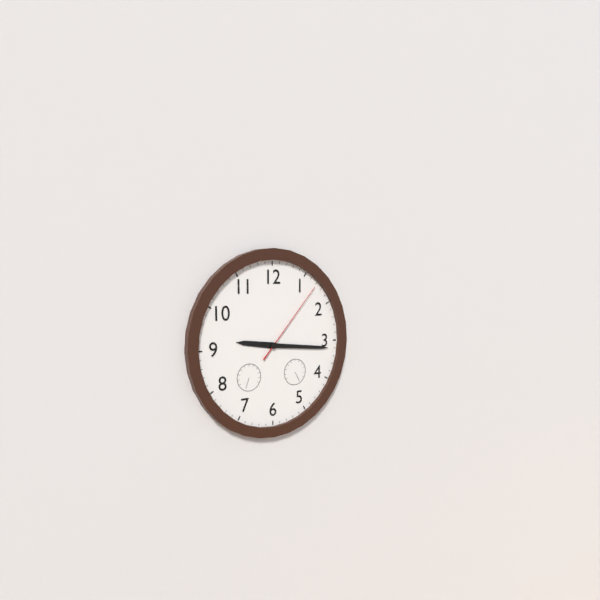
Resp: 9,16,07
